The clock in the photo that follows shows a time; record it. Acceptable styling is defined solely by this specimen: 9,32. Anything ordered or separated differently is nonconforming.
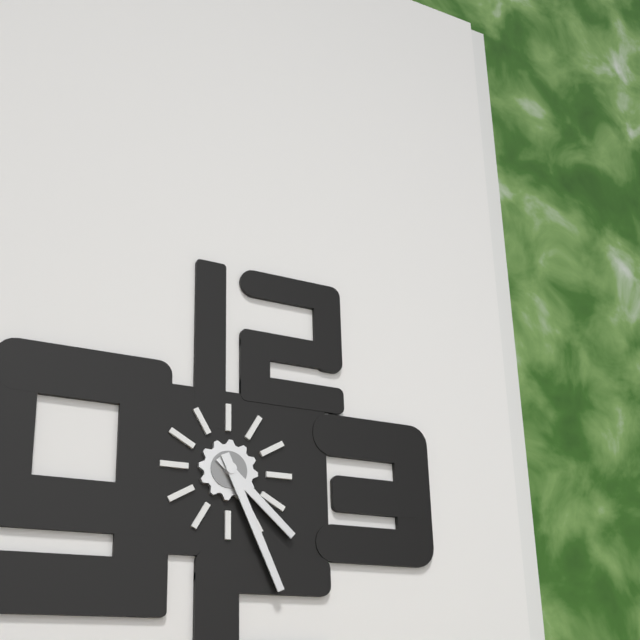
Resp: 4,26
